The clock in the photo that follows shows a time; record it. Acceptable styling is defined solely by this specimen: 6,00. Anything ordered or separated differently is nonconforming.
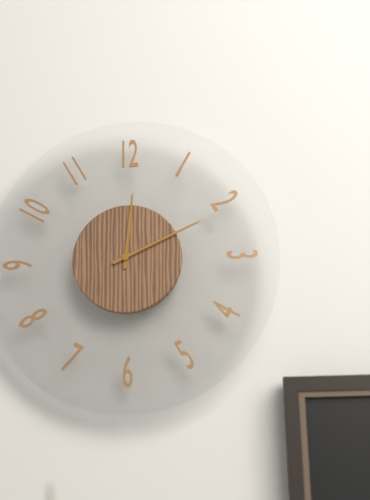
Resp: 12,11
